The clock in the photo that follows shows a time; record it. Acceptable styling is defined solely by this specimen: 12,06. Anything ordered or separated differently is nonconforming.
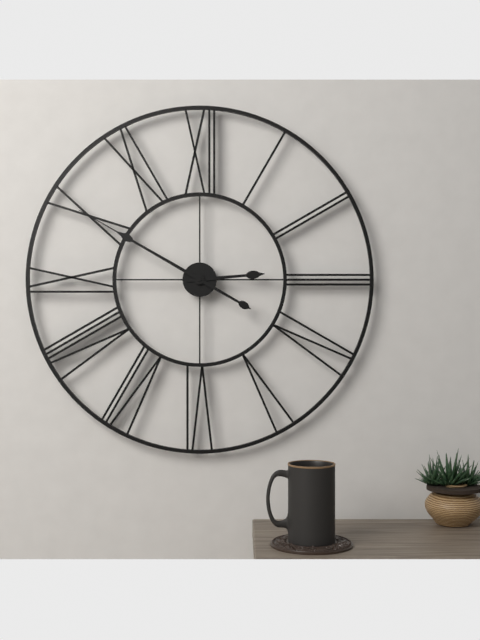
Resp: 2,50
